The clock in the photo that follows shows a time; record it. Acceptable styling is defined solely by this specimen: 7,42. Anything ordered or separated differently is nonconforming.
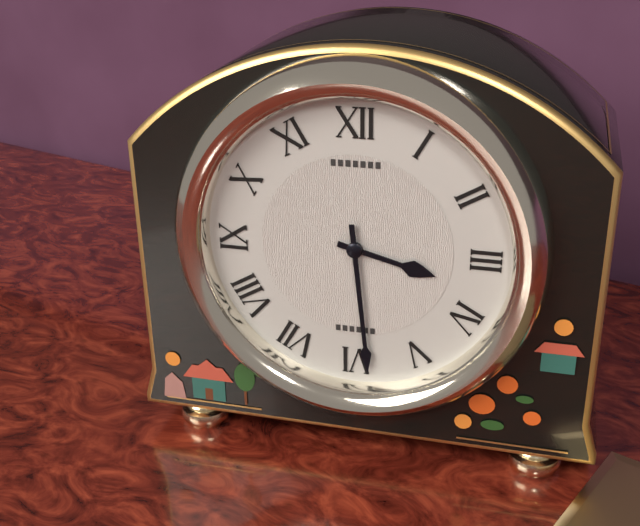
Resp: 3,29
